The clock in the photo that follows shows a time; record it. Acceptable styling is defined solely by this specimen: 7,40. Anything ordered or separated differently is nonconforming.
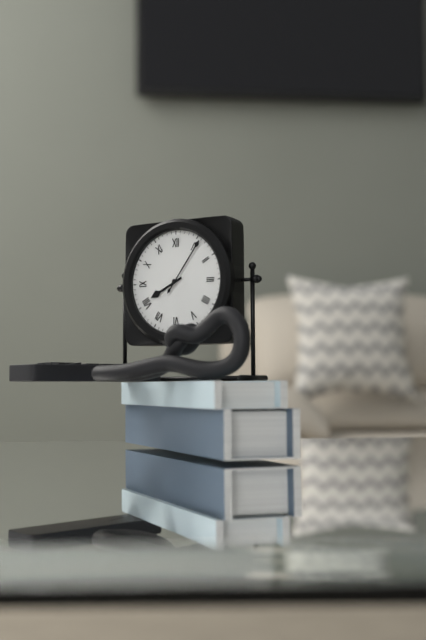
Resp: 8,06
